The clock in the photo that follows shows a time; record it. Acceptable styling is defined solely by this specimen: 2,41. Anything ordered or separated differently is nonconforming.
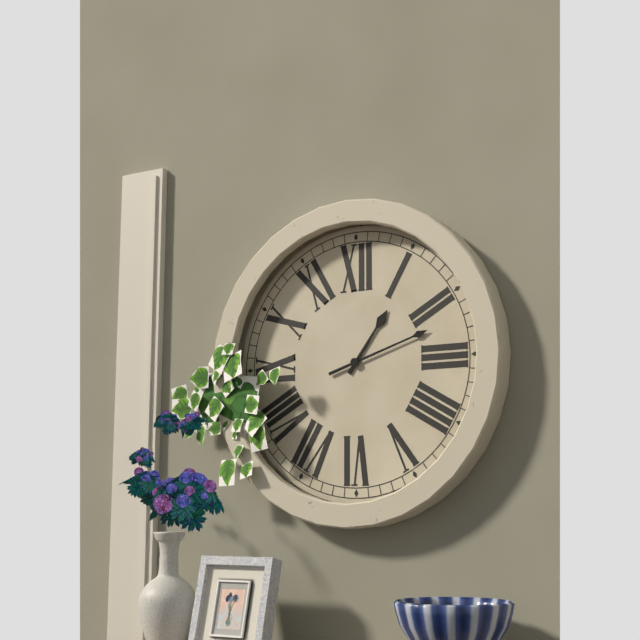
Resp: 1,12
